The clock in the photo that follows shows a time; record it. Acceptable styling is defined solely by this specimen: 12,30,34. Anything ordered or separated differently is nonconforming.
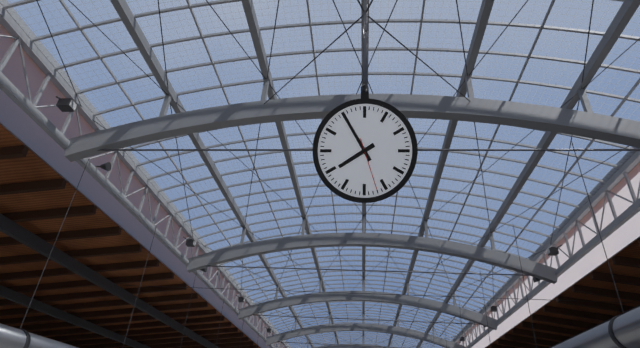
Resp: 7,55,27
